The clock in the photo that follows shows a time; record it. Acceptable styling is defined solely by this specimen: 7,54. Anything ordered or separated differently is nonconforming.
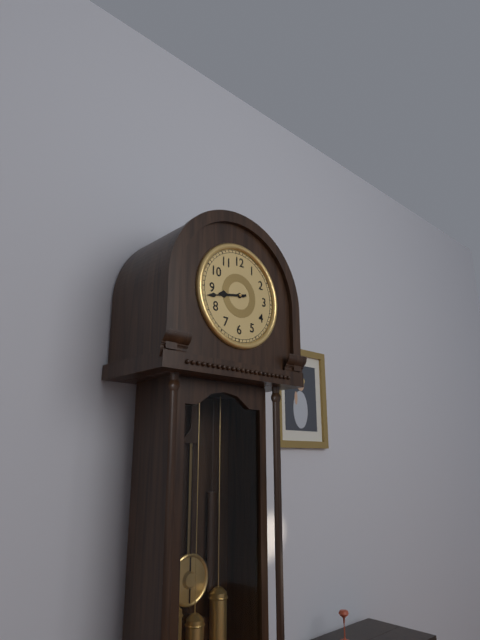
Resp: 8,43
